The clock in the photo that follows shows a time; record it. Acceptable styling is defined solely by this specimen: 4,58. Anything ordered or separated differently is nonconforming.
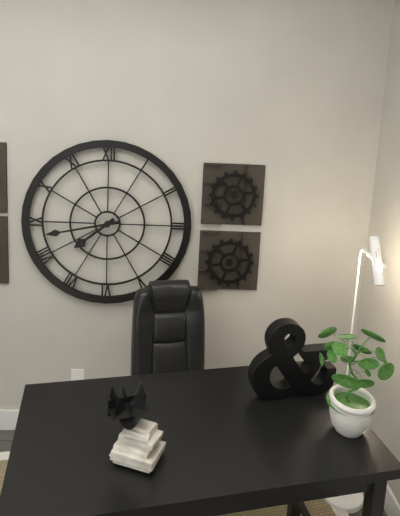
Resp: 7,43
